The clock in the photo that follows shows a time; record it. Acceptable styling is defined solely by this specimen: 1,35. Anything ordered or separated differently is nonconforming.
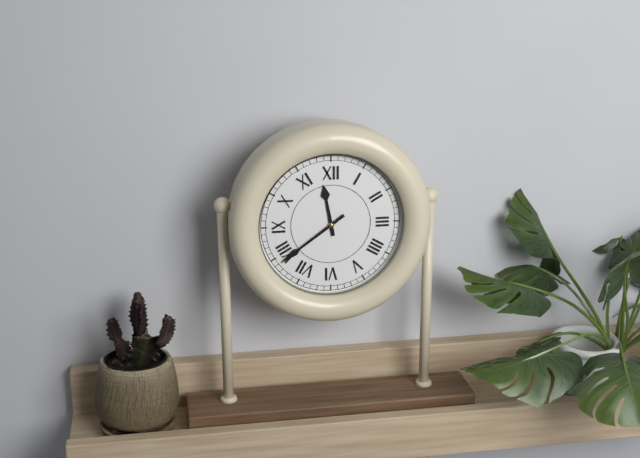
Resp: 11,39
